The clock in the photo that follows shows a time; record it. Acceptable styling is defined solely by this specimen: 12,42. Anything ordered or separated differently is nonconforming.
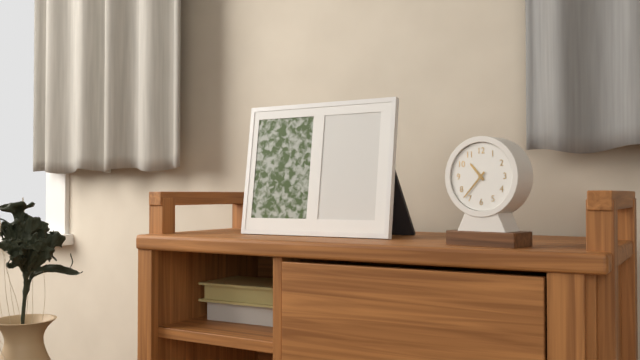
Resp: 10,37
